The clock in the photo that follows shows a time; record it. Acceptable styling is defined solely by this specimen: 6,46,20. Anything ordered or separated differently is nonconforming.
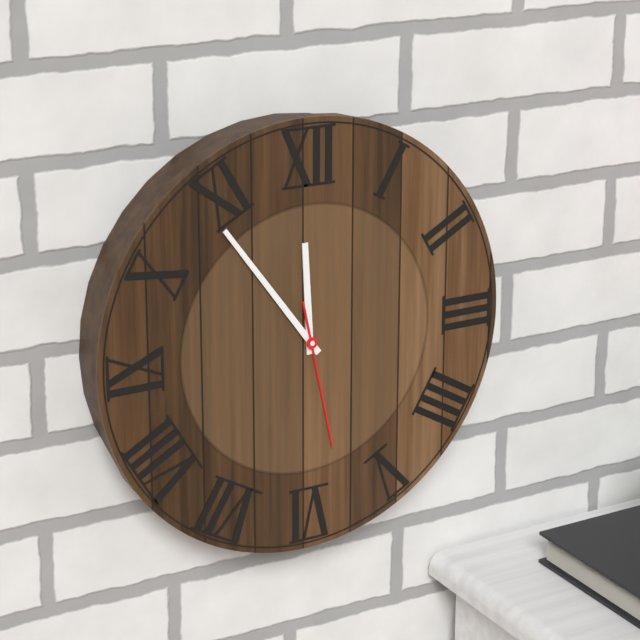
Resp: 11,54,28
